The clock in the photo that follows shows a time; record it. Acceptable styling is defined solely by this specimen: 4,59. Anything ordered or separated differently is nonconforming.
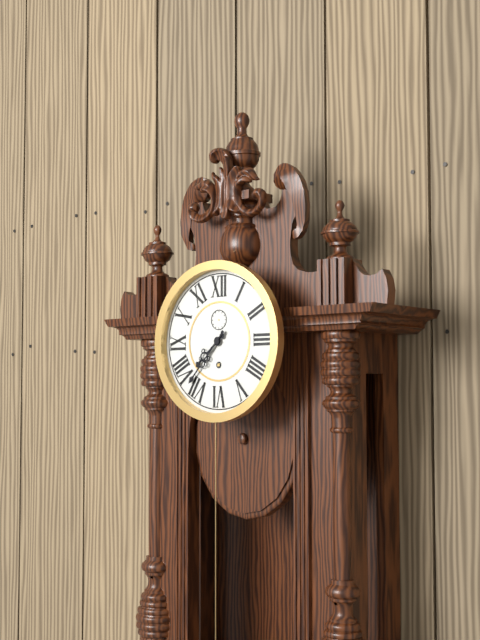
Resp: 7,37
